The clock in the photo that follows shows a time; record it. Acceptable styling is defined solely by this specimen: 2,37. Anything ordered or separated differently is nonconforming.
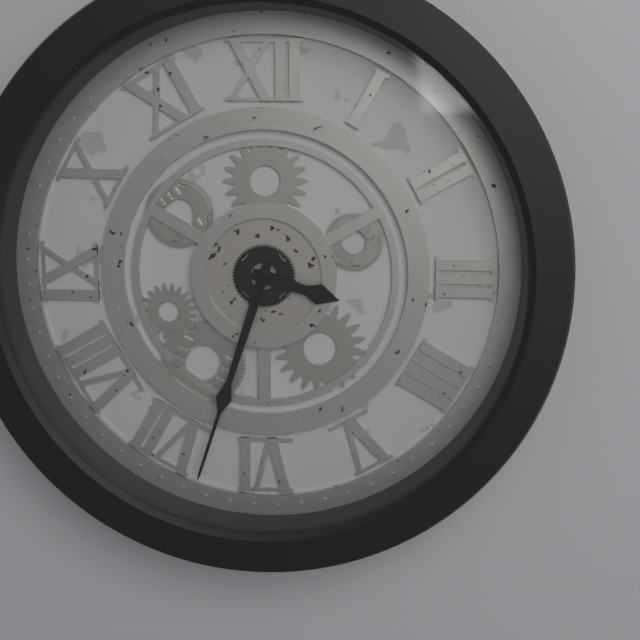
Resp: 3,33
